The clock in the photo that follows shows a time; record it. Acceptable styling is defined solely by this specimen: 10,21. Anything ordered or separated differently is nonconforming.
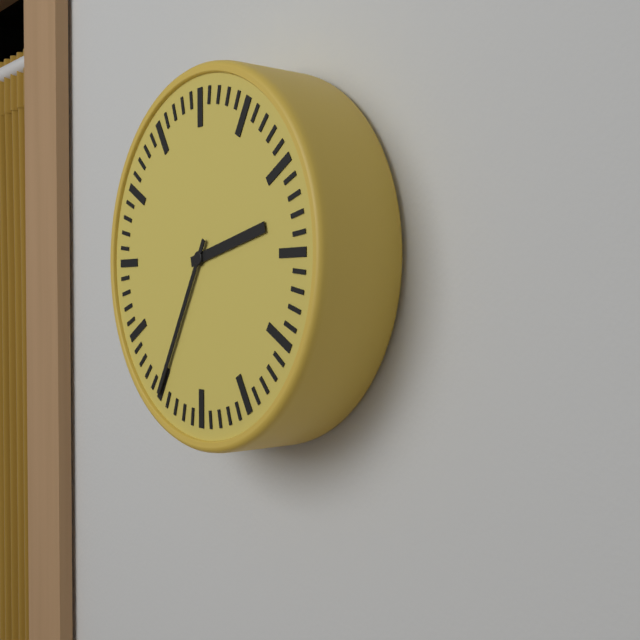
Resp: 2,35
